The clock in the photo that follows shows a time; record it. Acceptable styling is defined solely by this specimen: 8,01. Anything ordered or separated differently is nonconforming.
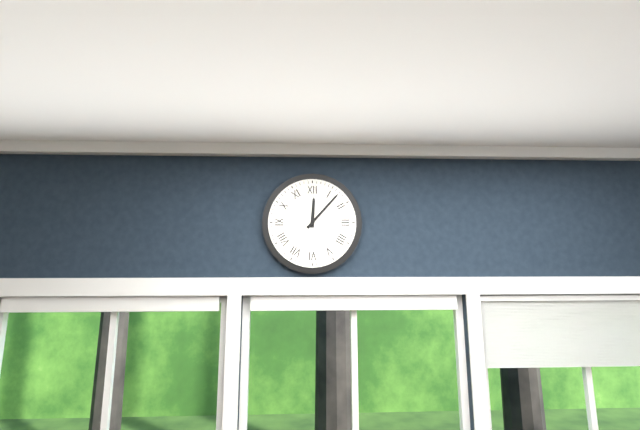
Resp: 12,07
